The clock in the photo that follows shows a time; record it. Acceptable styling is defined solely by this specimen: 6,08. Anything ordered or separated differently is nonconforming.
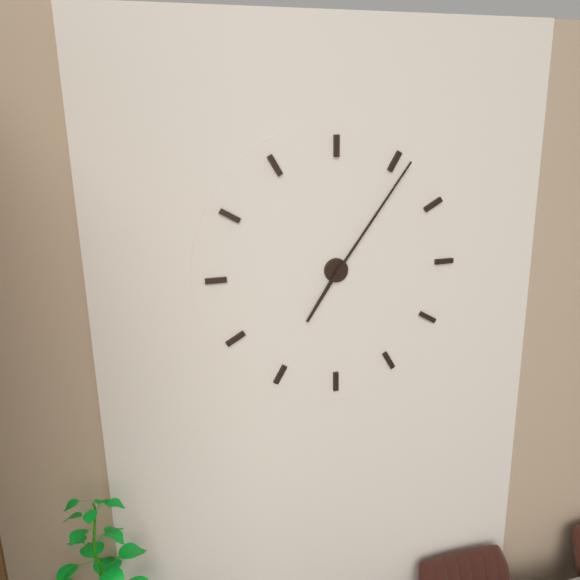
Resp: 7,06
